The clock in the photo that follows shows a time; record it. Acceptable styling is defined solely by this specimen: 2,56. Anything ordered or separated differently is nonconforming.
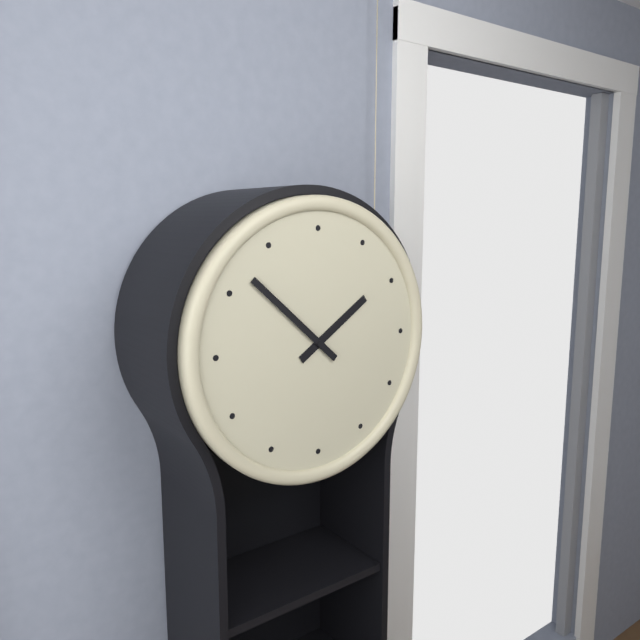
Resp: 1,52
